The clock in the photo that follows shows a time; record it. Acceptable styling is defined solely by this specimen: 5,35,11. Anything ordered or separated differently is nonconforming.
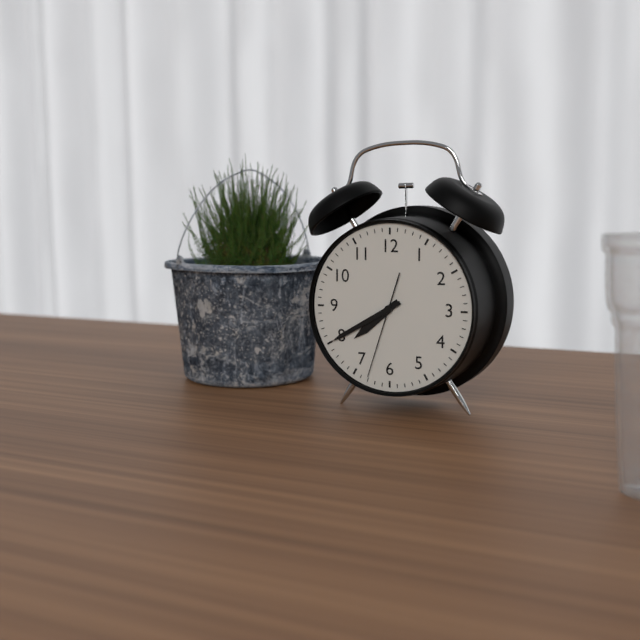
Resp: 7,40,33
